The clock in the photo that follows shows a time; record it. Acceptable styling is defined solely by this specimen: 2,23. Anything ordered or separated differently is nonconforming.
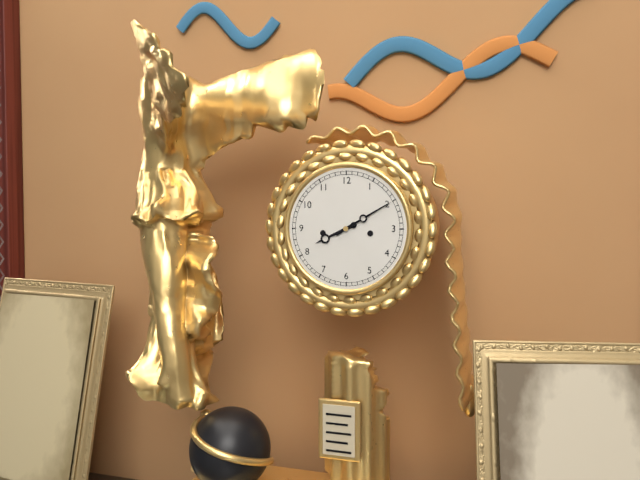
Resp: 8,10
